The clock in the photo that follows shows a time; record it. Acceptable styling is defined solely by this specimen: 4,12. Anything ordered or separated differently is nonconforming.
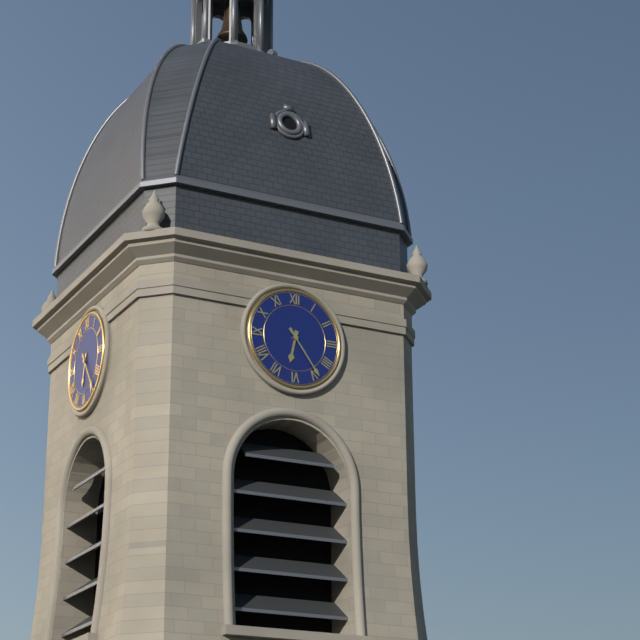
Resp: 6,24
